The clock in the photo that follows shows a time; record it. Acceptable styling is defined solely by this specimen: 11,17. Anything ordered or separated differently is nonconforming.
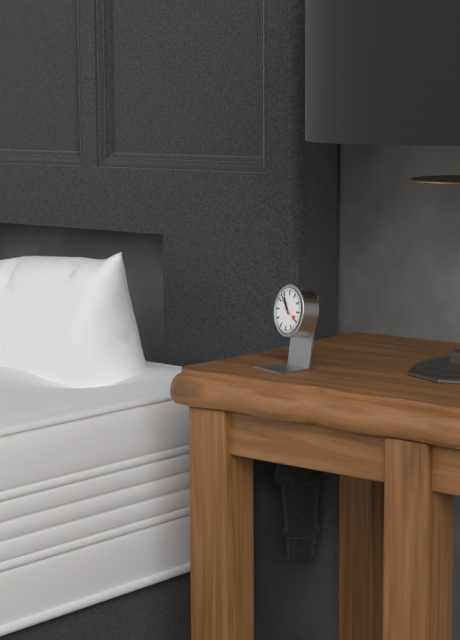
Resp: 10,53
